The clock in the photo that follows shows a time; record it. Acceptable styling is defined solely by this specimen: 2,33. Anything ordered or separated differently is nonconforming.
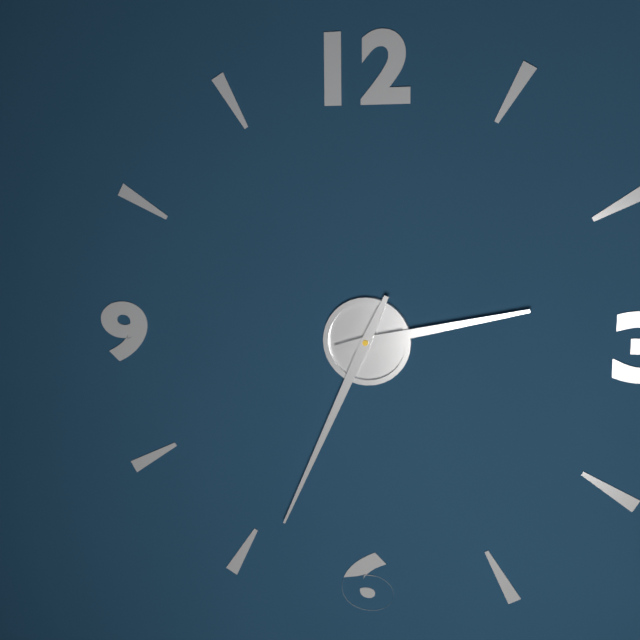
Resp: 2,34
